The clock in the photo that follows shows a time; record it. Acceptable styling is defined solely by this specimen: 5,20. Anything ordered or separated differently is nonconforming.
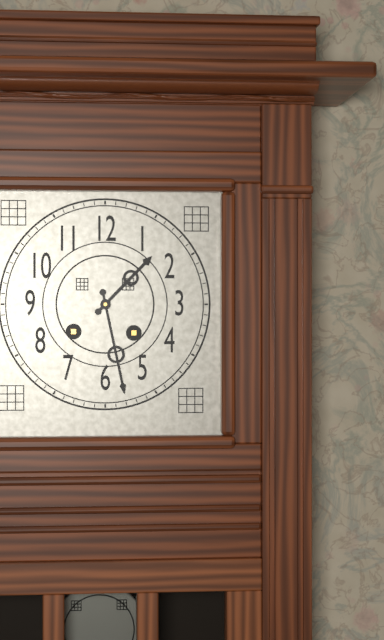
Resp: 1,28
